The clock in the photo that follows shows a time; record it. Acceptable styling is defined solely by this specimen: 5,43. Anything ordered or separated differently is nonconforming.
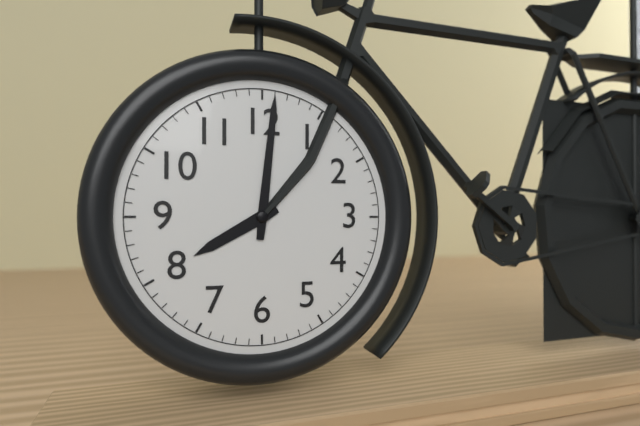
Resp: 8,01
